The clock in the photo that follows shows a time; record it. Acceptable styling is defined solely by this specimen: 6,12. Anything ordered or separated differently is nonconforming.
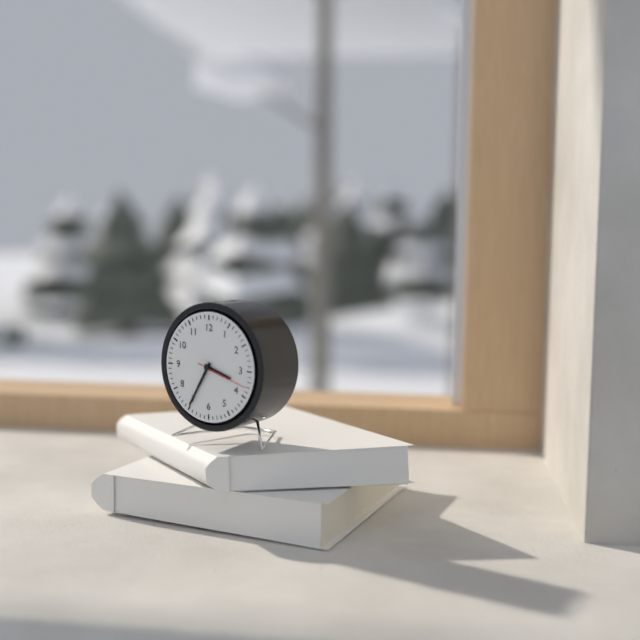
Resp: 3,35
